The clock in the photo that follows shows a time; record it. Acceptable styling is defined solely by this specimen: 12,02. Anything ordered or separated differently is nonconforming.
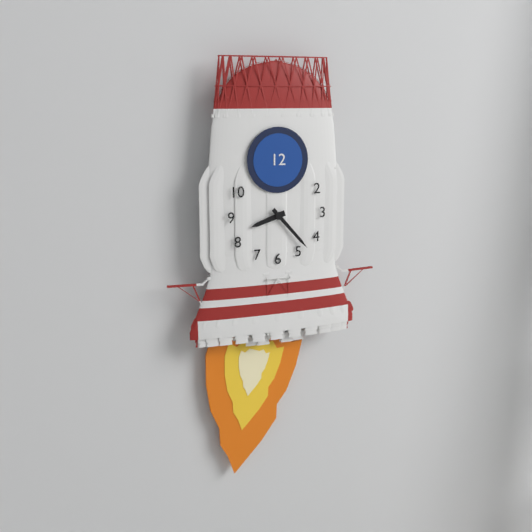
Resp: 8,23
